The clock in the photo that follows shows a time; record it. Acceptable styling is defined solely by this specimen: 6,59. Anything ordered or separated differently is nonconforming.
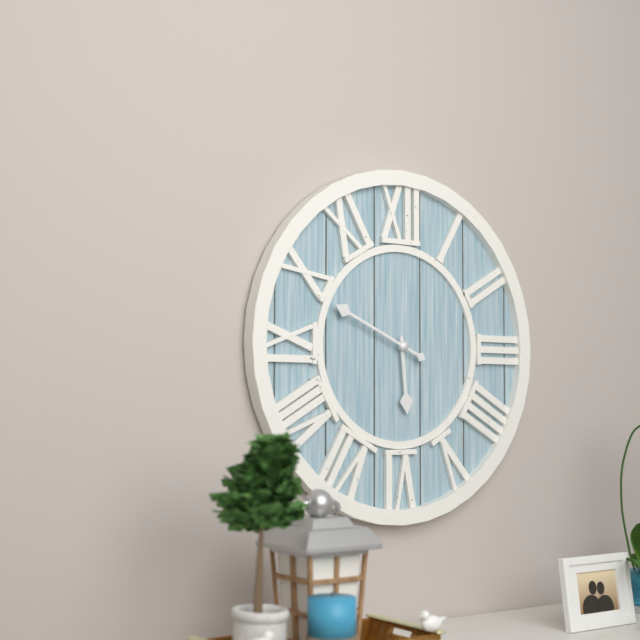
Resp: 5,49
